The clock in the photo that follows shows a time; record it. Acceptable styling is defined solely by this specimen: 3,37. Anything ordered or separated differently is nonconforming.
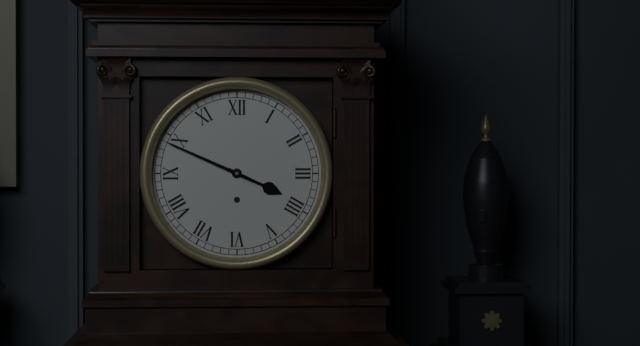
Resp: 3,49
